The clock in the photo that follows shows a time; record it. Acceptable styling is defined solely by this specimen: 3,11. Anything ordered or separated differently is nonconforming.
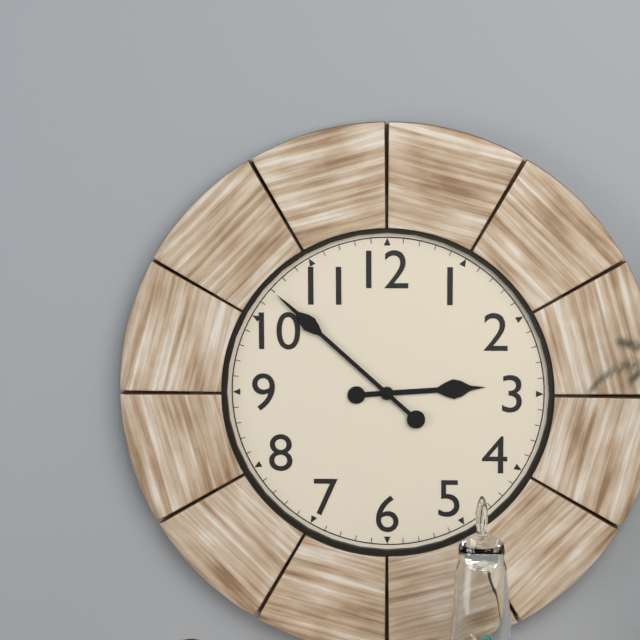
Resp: 2,52
